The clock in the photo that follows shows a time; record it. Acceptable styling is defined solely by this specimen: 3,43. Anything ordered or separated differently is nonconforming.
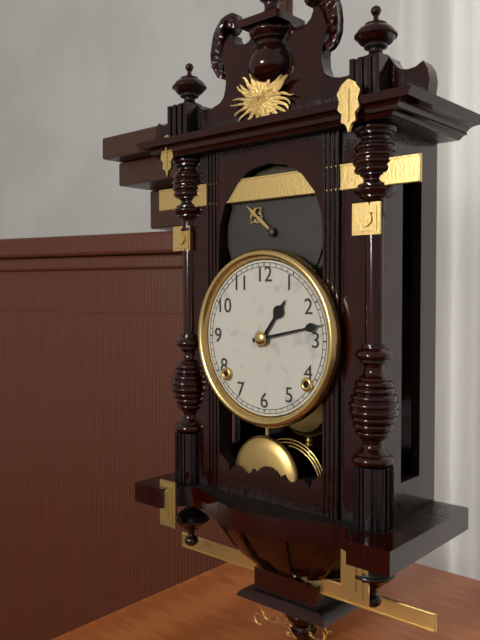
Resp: 1,13
